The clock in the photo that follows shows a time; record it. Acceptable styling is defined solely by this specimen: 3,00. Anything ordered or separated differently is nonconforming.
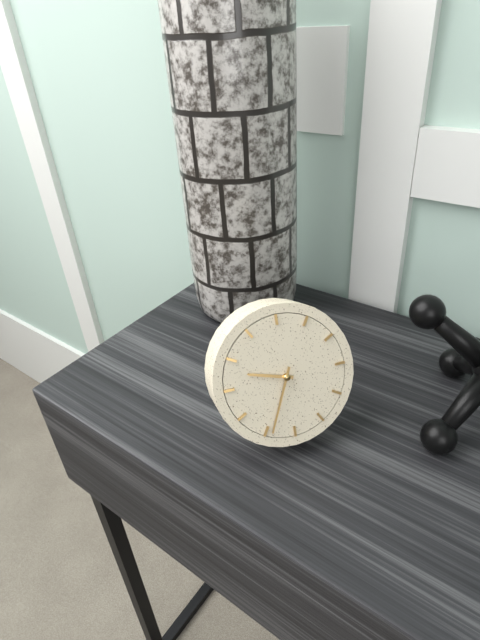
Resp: 9,34
